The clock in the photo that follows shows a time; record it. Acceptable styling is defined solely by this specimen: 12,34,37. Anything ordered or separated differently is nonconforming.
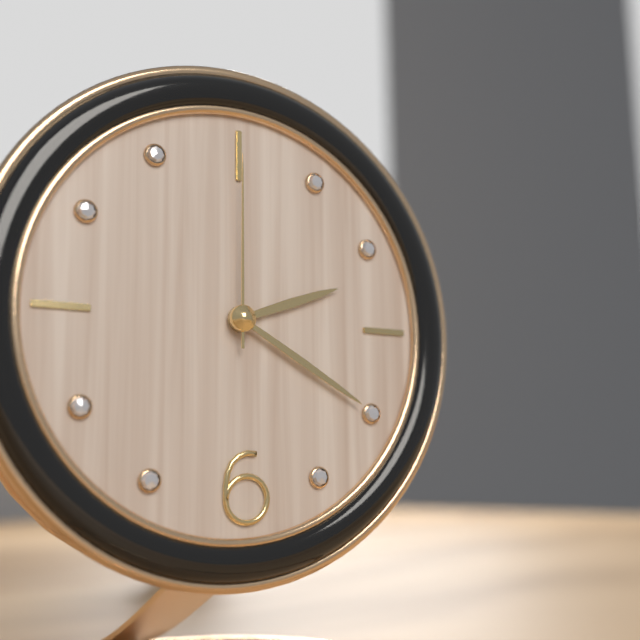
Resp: 2,20,00
